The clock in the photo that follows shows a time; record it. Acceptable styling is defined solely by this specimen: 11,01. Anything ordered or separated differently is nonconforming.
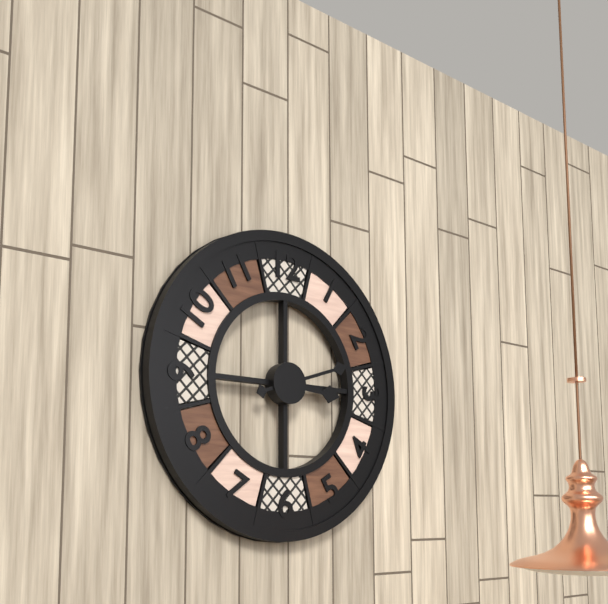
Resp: 3,12
